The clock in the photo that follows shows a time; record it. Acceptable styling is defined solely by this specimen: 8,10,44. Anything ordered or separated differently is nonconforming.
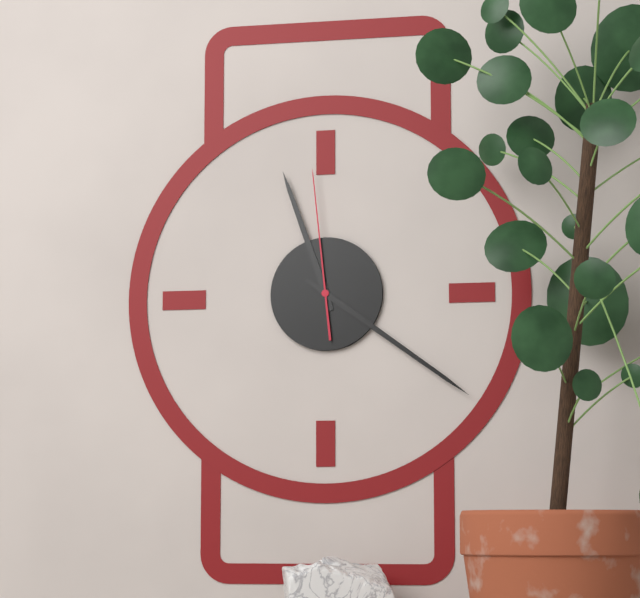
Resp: 11,21,59
